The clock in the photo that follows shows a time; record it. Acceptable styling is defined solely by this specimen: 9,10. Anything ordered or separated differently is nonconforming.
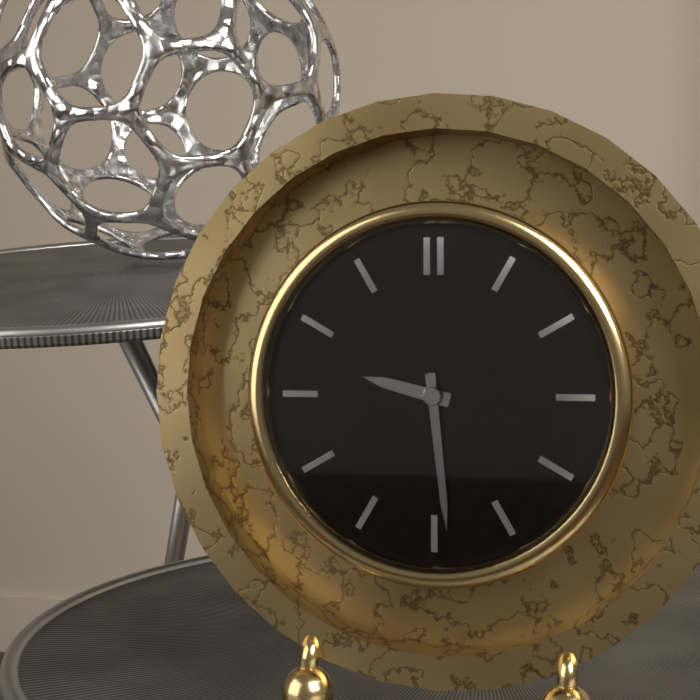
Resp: 9,29
